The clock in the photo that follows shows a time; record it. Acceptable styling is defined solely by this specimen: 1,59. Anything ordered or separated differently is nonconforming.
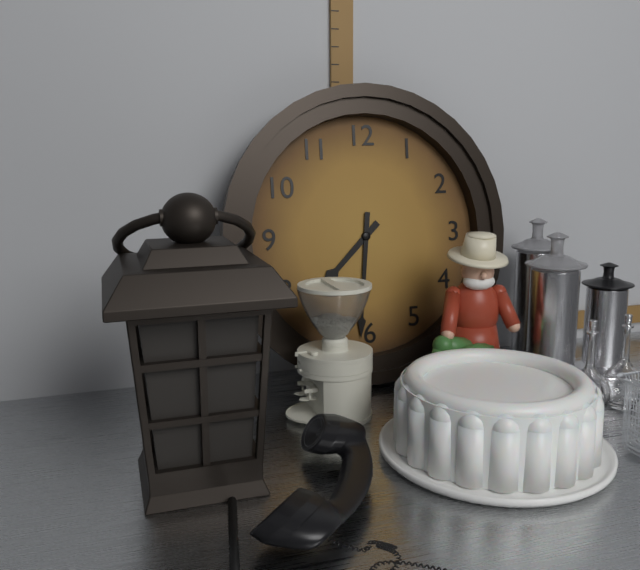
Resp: 7,31
